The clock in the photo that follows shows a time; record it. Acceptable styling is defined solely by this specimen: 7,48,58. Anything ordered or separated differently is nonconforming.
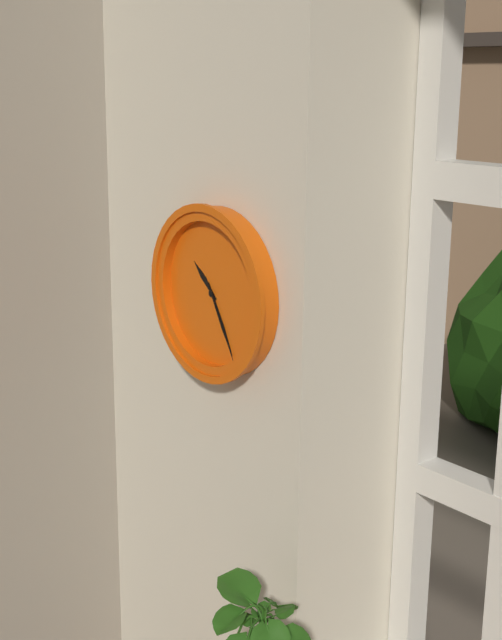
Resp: 10,25,25
